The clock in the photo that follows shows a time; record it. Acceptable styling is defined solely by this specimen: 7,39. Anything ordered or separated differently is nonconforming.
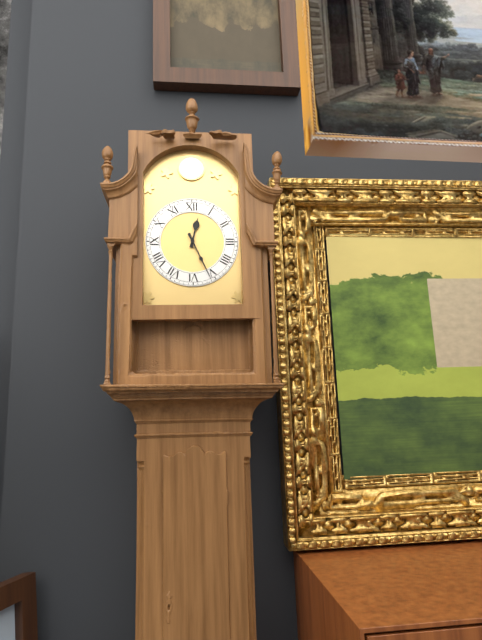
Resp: 12,26
